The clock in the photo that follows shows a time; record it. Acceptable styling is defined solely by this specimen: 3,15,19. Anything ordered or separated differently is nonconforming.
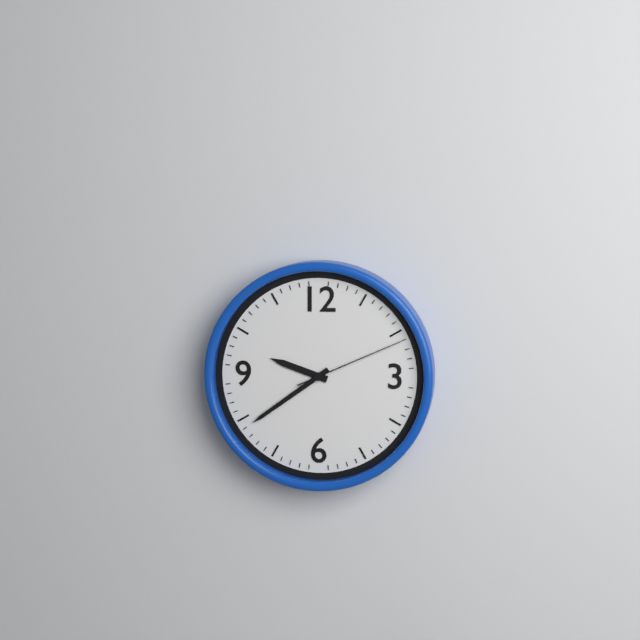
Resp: 9,39,11
